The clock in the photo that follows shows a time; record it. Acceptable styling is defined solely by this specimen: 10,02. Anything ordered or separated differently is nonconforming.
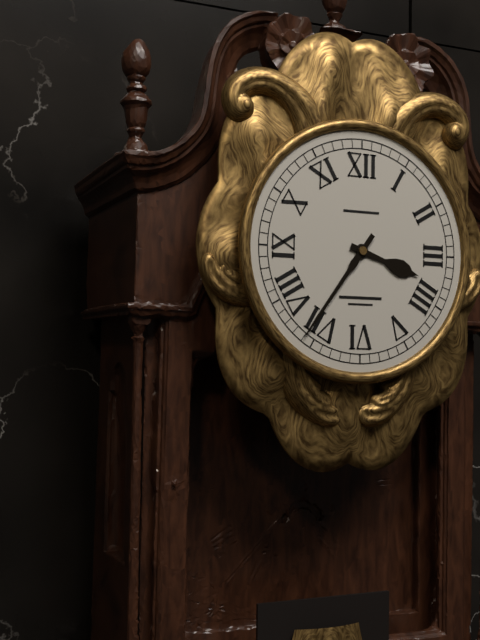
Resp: 3,36
